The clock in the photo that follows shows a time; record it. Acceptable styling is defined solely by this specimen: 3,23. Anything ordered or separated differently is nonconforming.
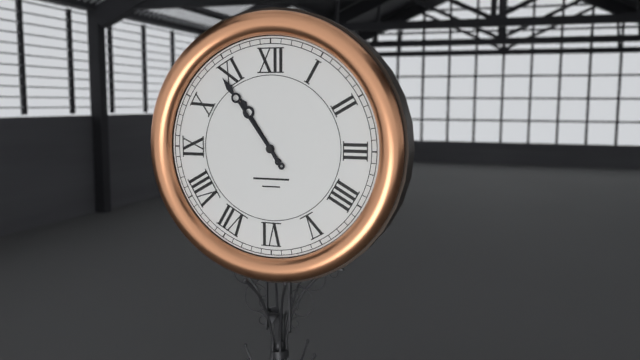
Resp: 10,54
